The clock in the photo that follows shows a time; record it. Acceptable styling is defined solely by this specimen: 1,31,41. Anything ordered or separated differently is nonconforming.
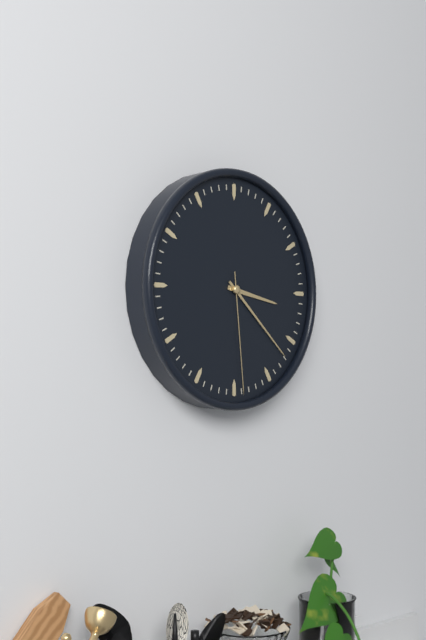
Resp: 3,22,29
